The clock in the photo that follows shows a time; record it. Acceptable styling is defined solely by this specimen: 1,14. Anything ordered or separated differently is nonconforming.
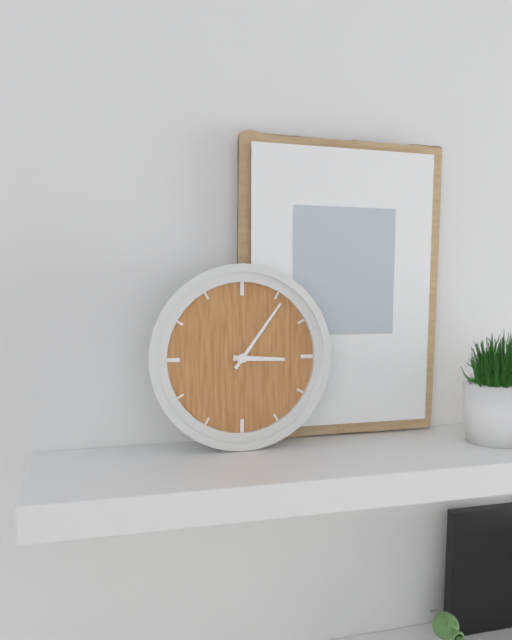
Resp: 3,06
